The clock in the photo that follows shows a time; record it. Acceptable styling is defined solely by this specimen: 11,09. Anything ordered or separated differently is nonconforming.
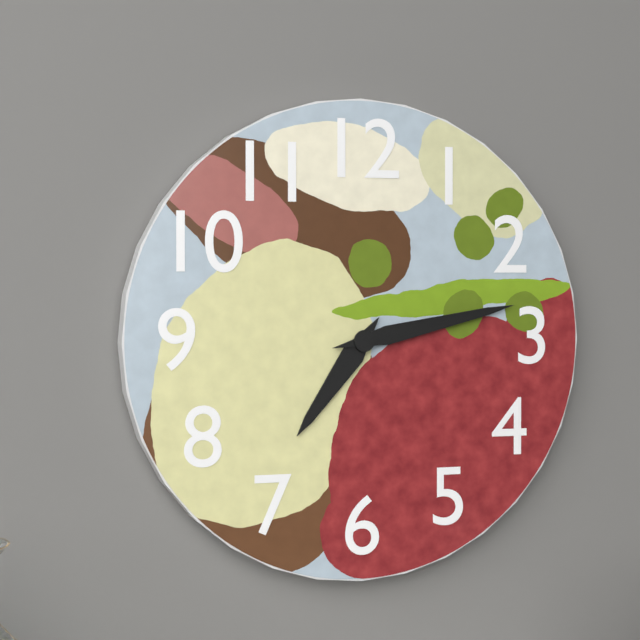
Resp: 7,13
